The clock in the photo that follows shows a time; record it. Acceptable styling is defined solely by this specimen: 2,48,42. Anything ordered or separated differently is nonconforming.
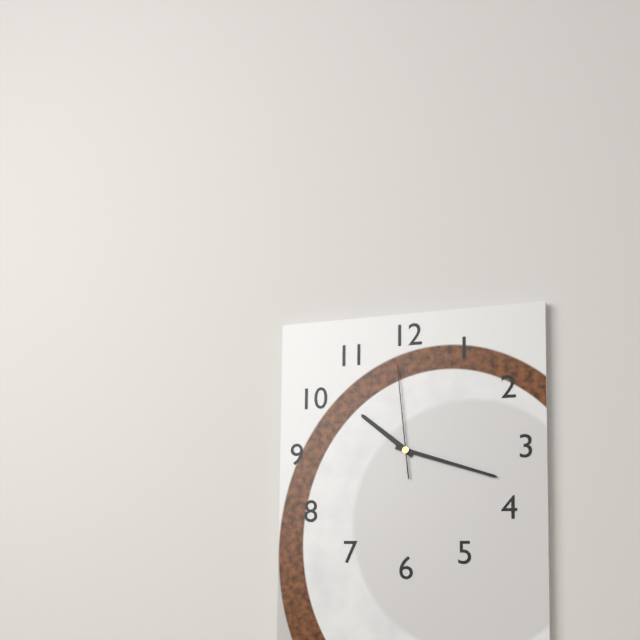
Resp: 10,18,59
